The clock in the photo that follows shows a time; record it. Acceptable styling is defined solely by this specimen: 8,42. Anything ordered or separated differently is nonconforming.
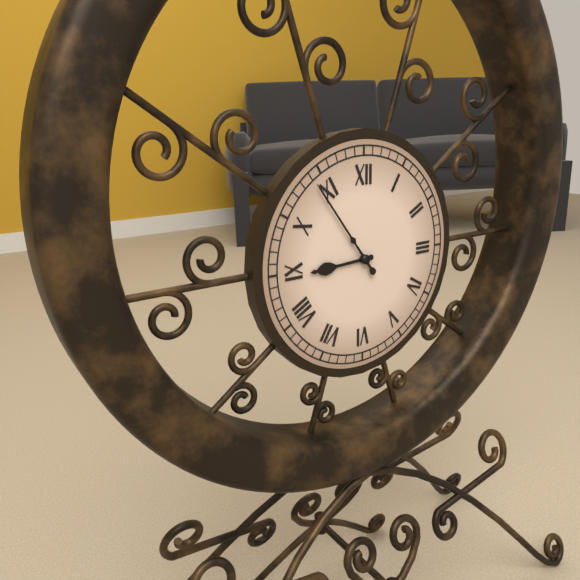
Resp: 8,54
